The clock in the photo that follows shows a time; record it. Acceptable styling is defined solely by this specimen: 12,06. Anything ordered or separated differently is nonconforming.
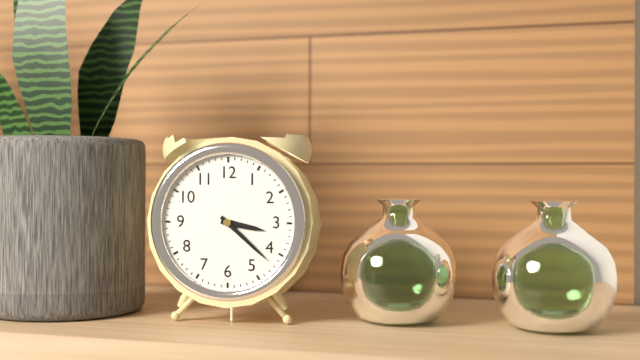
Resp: 3,22
